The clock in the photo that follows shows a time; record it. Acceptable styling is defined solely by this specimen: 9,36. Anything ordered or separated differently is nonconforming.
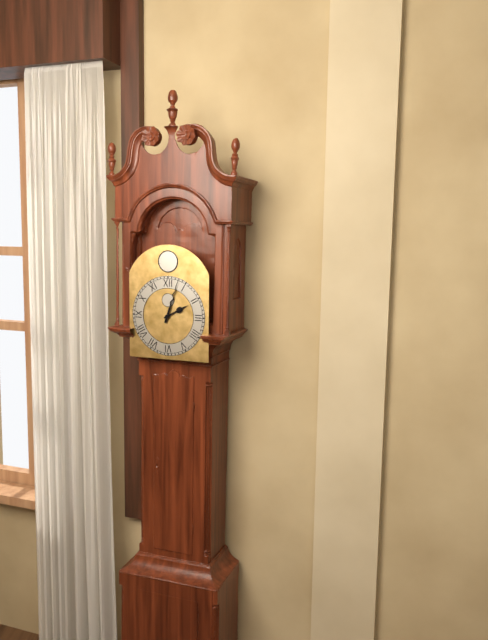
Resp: 2,03
